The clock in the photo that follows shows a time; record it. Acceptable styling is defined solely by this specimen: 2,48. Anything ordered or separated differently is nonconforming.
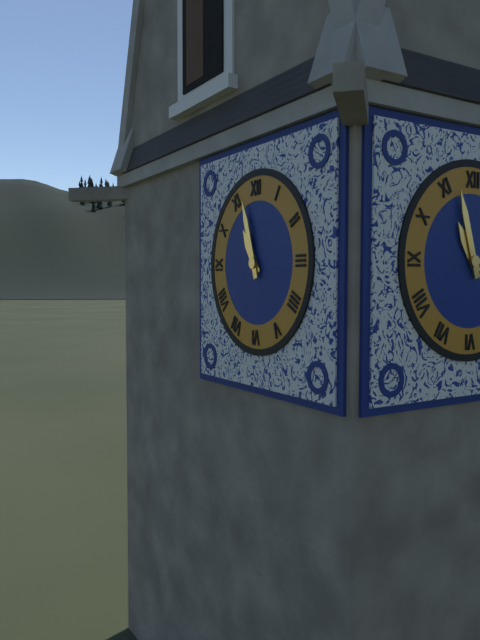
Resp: 10,57
